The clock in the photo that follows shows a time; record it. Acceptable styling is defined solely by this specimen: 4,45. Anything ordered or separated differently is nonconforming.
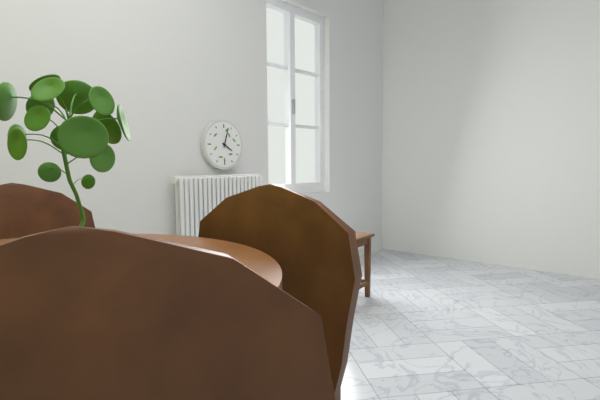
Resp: 4,03
